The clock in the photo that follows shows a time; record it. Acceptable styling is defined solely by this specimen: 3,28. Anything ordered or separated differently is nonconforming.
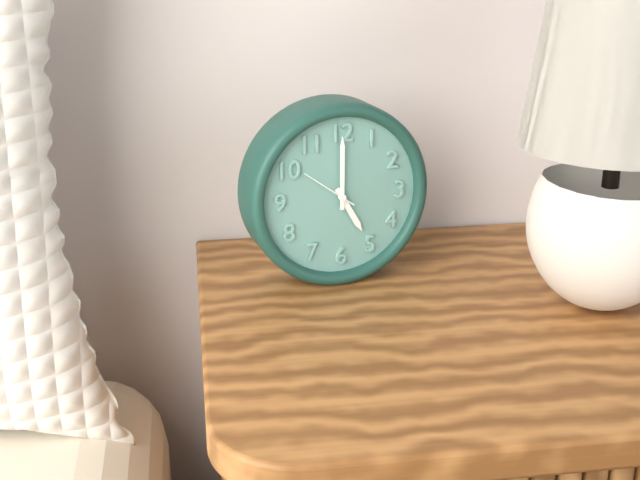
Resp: 5,00
